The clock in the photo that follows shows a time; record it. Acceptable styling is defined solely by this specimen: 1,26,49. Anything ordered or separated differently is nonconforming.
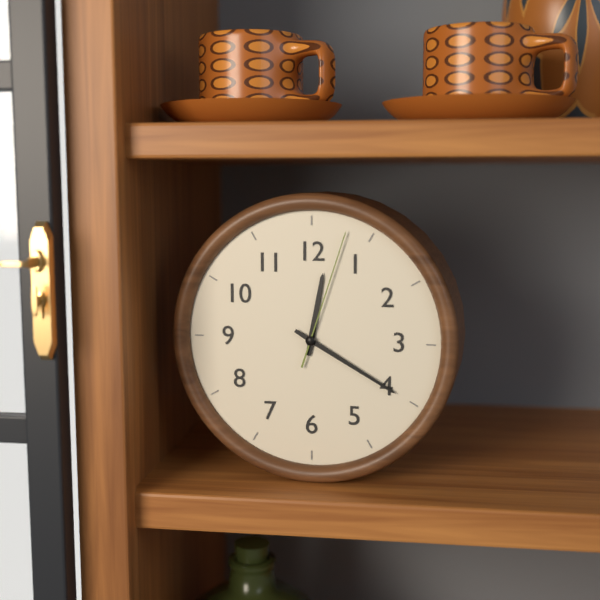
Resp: 12,20,03
